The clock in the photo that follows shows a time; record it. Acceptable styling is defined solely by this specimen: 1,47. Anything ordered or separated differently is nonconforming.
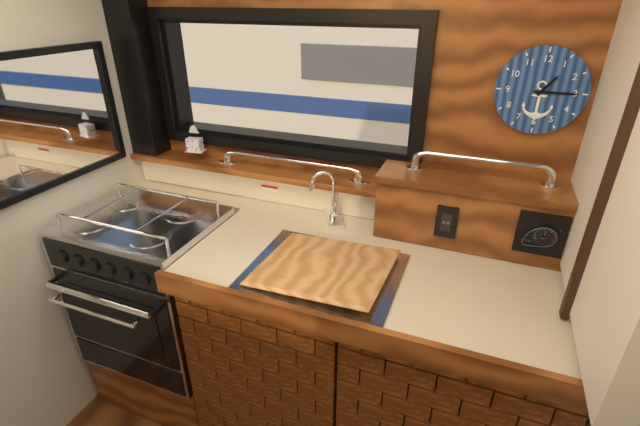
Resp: 1,15
